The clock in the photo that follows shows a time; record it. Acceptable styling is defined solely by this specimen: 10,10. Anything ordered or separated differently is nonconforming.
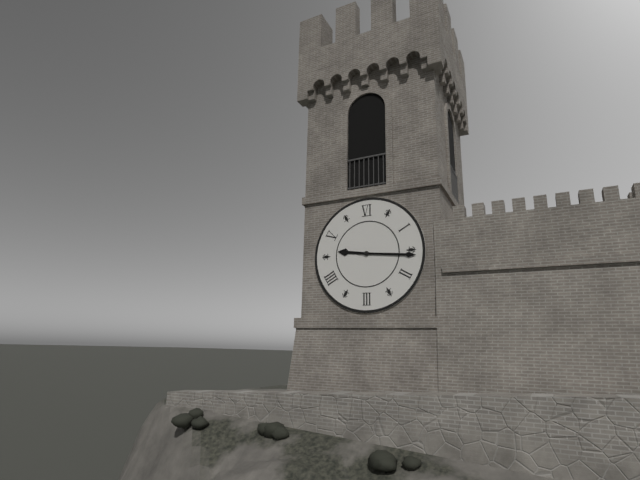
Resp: 9,16
